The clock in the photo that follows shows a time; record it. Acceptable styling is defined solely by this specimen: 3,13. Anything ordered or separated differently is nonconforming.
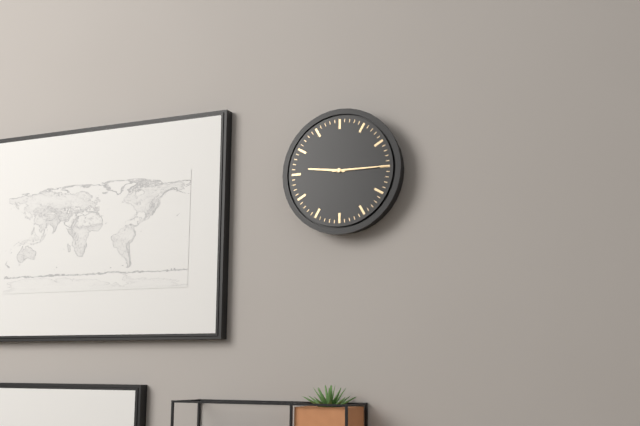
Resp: 9,15
